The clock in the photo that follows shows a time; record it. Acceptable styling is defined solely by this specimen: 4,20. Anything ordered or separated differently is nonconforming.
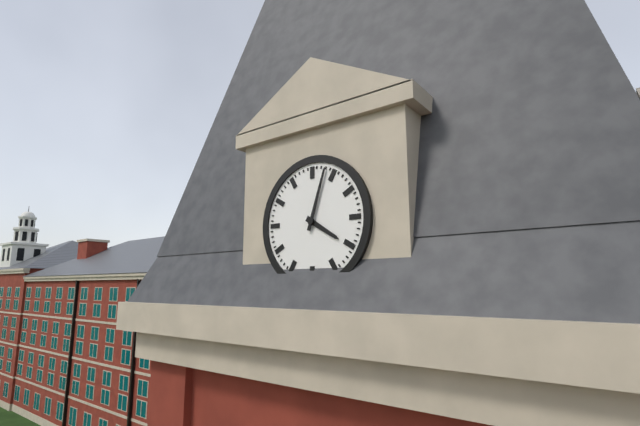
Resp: 4,03
